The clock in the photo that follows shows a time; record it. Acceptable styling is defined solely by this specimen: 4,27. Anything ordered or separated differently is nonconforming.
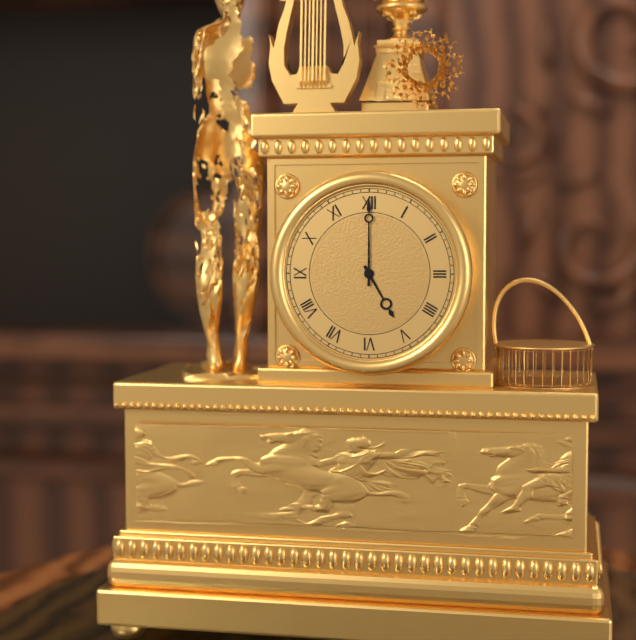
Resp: 5,00
